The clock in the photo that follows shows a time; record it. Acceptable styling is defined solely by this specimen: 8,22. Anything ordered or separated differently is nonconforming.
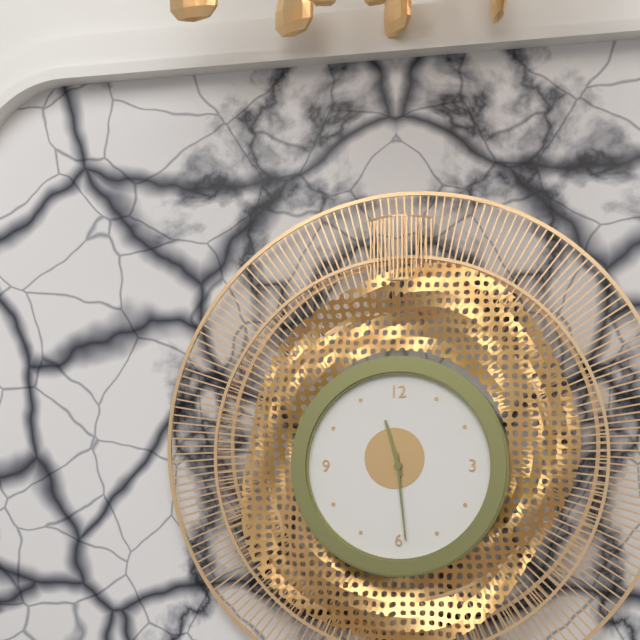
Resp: 11,29
